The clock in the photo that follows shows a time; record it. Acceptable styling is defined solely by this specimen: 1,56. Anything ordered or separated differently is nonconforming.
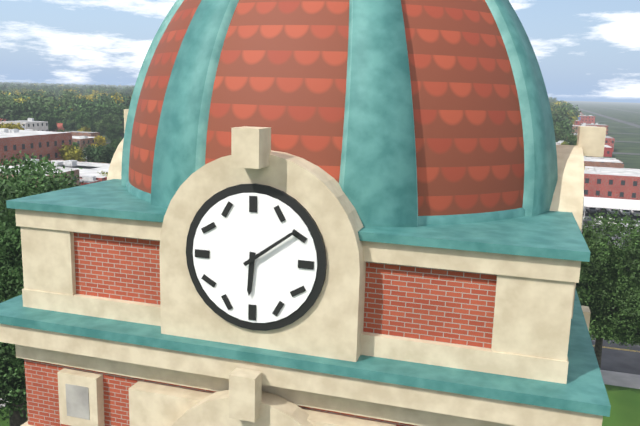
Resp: 6,09
